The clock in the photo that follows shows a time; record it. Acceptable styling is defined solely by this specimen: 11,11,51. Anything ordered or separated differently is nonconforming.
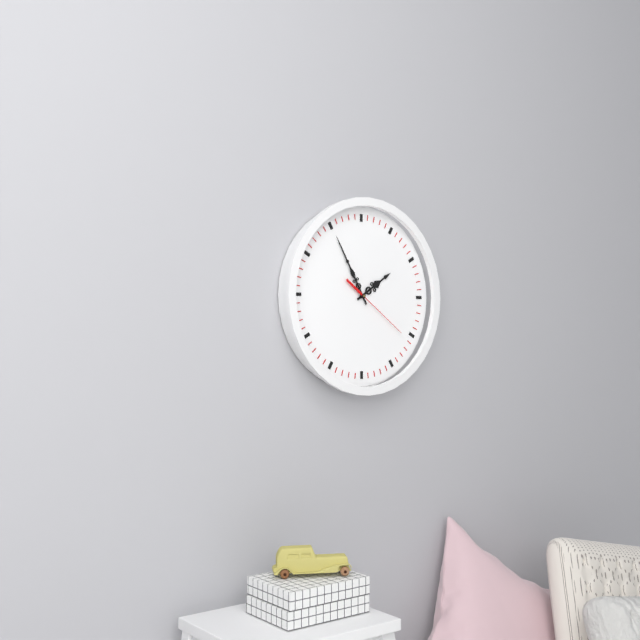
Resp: 1,55,21
